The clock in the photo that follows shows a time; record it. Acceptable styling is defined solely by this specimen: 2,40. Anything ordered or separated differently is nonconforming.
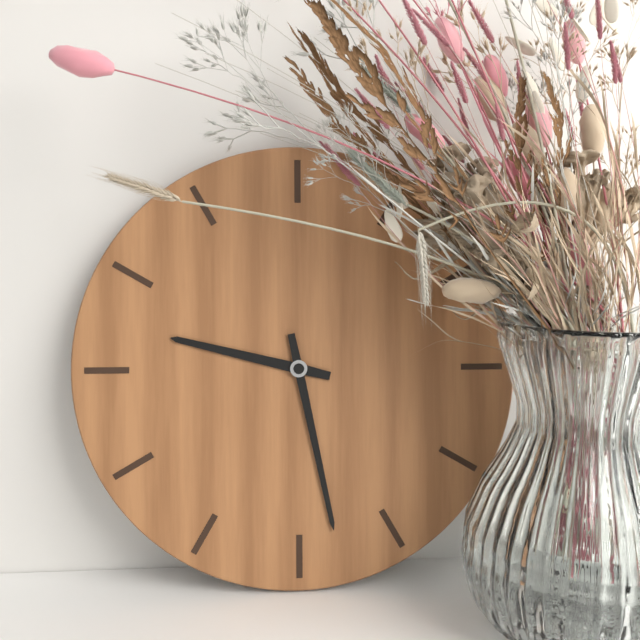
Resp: 9,28
